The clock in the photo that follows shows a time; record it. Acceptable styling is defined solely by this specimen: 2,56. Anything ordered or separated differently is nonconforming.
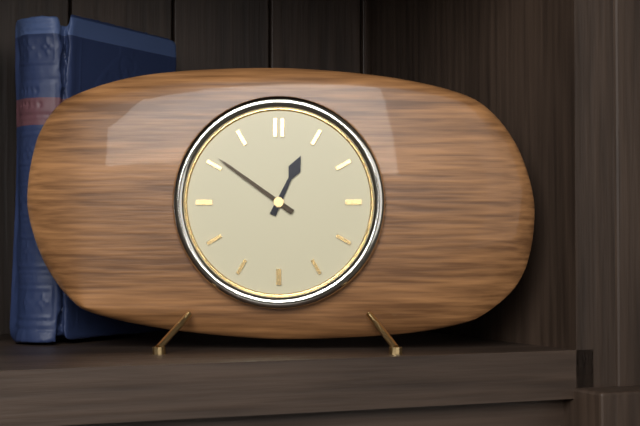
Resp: 12,51
